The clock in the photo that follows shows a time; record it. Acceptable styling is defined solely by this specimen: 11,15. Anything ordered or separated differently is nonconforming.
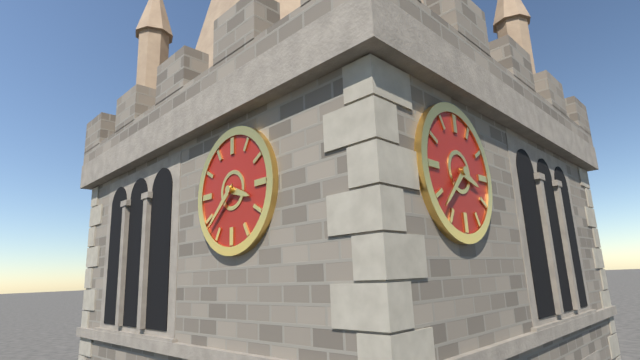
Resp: 3,38
